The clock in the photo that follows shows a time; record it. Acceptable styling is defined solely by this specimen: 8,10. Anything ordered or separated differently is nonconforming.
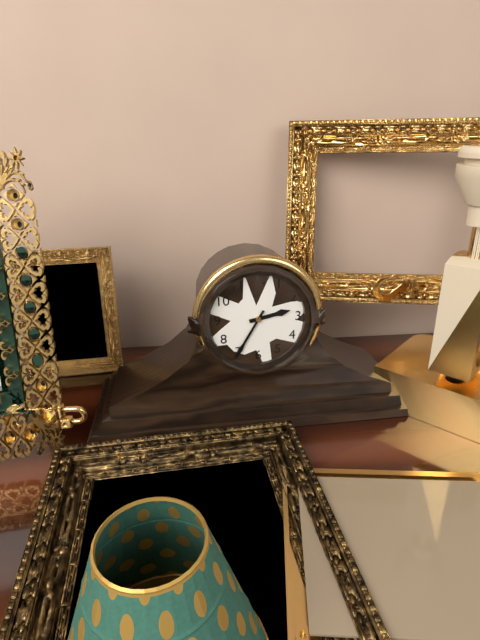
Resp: 2,35
